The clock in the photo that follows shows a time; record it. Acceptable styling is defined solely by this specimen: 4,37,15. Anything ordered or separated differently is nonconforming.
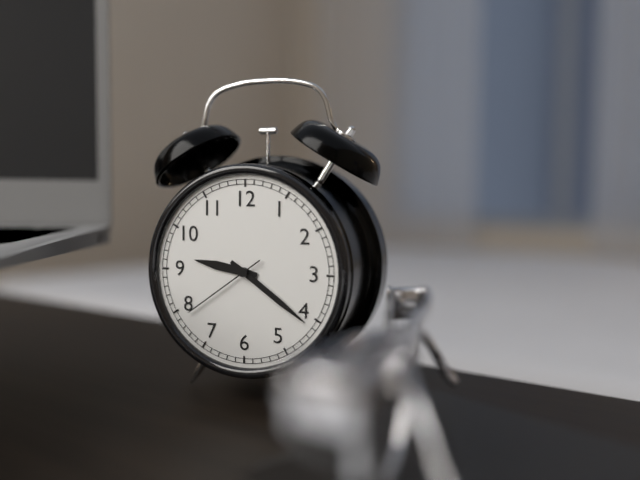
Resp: 9,21,39
